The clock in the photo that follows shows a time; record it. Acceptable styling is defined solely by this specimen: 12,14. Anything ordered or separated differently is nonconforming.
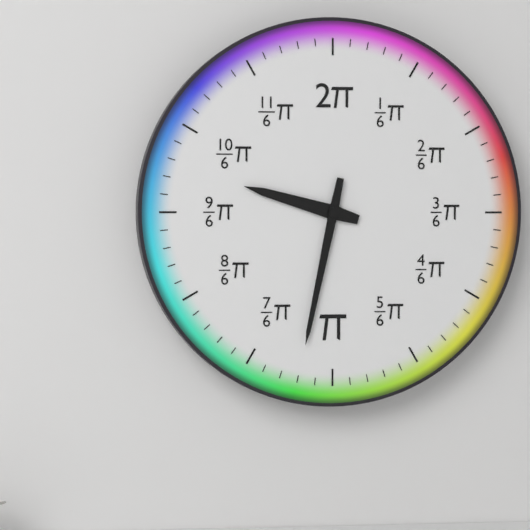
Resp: 9,32
